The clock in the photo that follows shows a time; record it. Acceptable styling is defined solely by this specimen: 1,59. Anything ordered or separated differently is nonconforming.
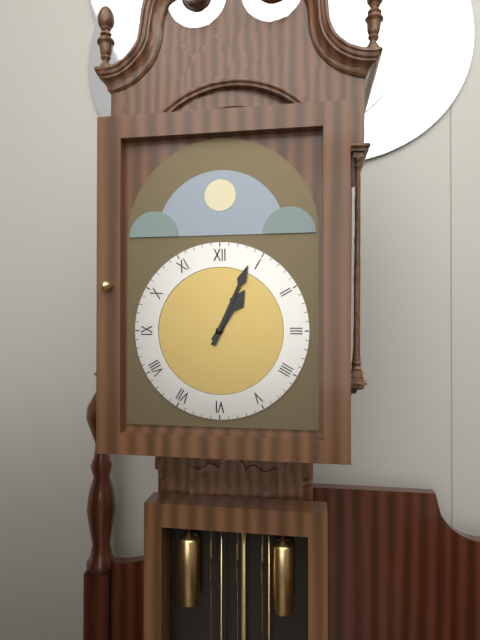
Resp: 1,04
